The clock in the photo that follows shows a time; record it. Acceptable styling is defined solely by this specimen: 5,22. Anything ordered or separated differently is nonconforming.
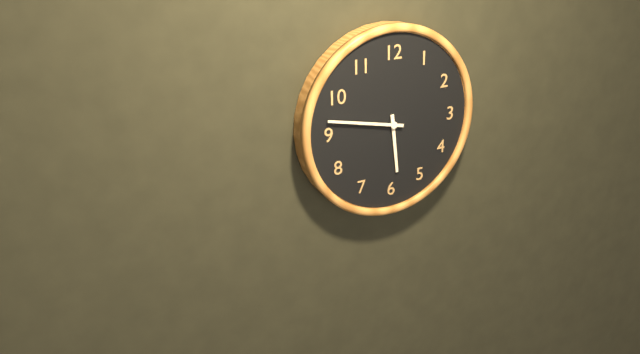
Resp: 5,47
